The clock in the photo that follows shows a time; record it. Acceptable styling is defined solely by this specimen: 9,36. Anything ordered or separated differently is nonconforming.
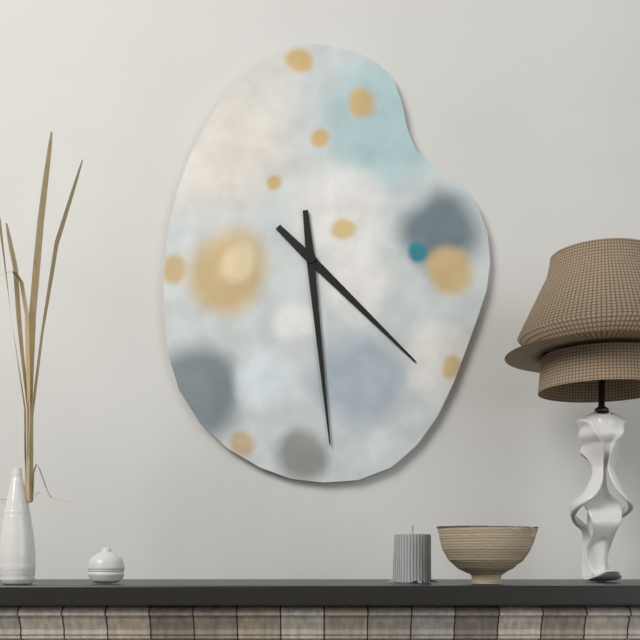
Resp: 4,29
